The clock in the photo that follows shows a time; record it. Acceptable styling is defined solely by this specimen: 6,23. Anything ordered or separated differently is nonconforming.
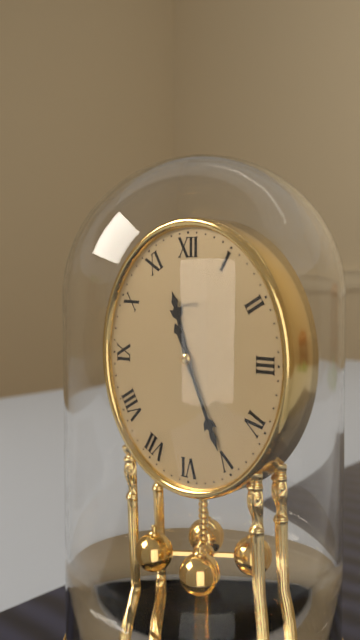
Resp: 11,26
